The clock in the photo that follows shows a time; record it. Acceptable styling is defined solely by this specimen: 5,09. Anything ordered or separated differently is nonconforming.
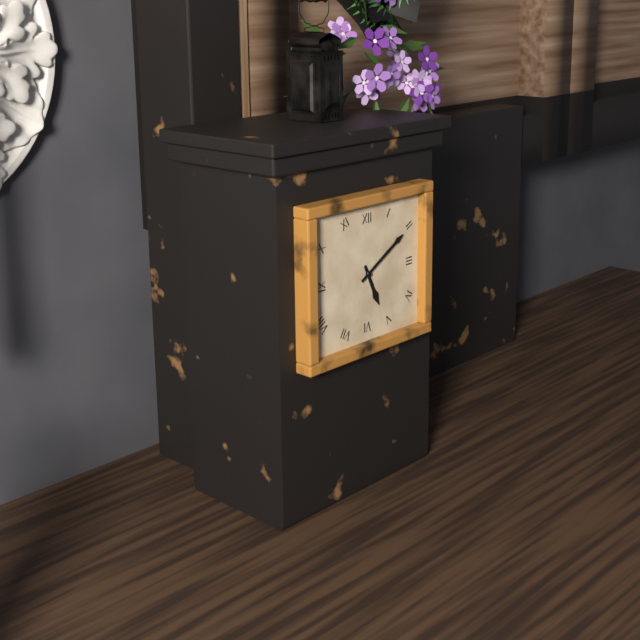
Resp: 5,10
